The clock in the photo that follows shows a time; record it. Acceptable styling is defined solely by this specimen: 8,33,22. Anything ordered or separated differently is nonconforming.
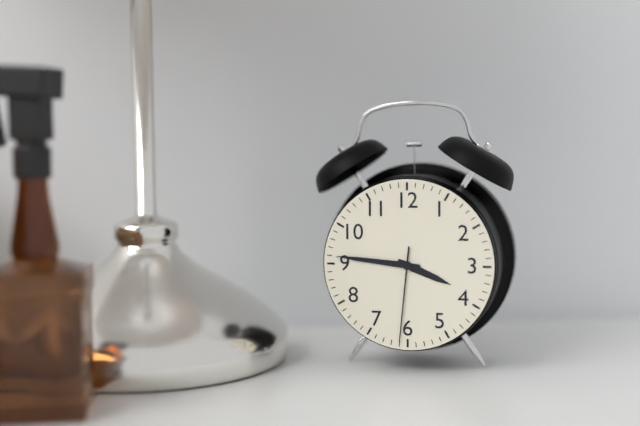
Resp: 3,46,31
